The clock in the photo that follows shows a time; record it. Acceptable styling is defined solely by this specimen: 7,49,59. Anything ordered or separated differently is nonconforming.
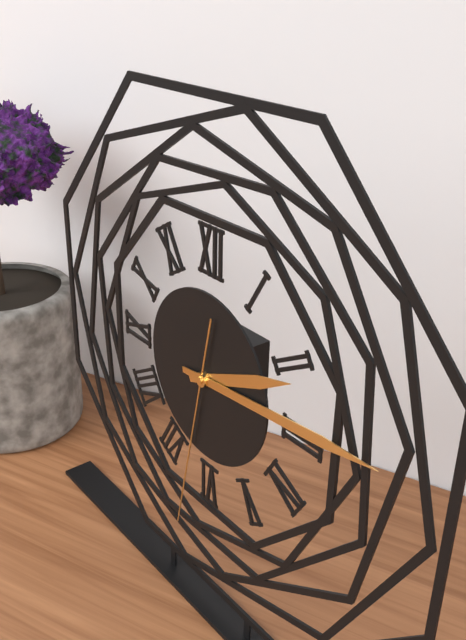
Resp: 2,14,32
